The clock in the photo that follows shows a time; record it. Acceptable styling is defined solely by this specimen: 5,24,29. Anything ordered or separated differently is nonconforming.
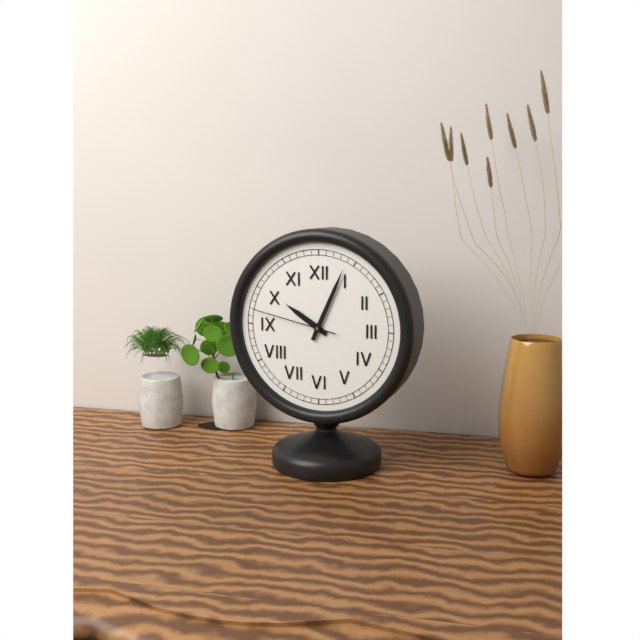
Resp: 10,04,47
